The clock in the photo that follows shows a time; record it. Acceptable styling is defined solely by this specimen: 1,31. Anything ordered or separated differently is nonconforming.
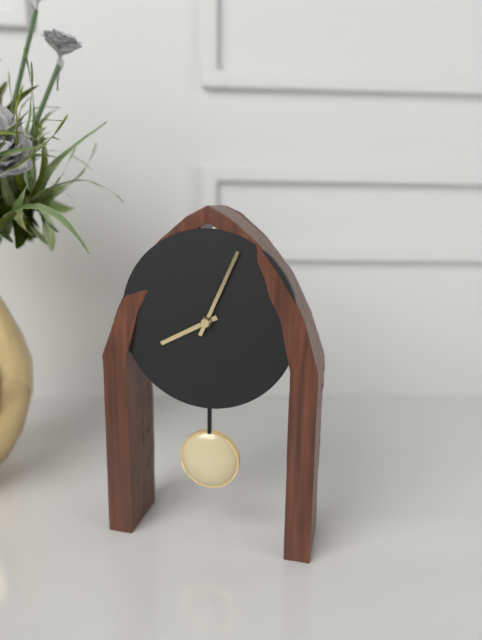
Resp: 8,04
